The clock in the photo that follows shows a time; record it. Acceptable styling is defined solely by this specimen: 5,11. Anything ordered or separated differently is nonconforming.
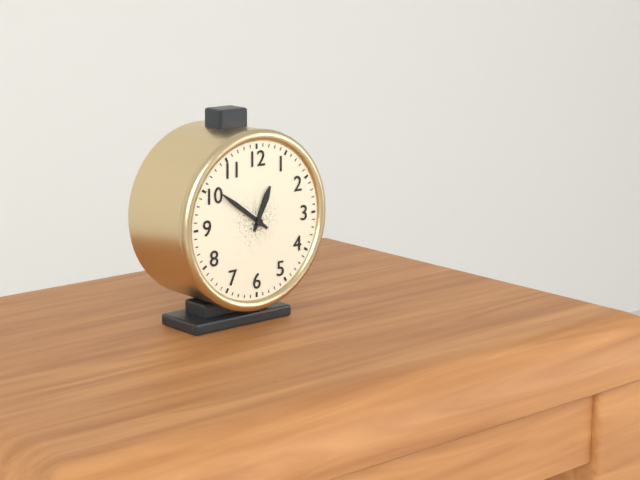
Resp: 12,51
